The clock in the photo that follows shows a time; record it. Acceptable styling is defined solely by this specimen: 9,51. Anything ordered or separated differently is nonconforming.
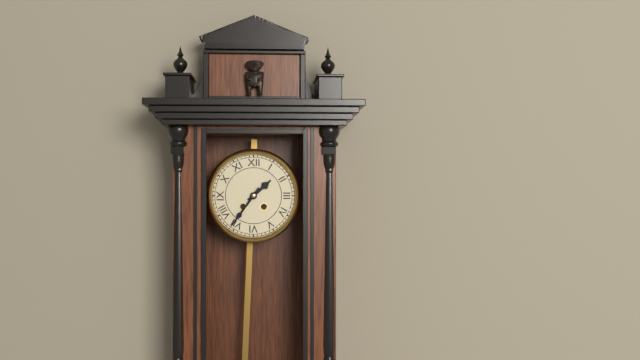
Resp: 1,36
